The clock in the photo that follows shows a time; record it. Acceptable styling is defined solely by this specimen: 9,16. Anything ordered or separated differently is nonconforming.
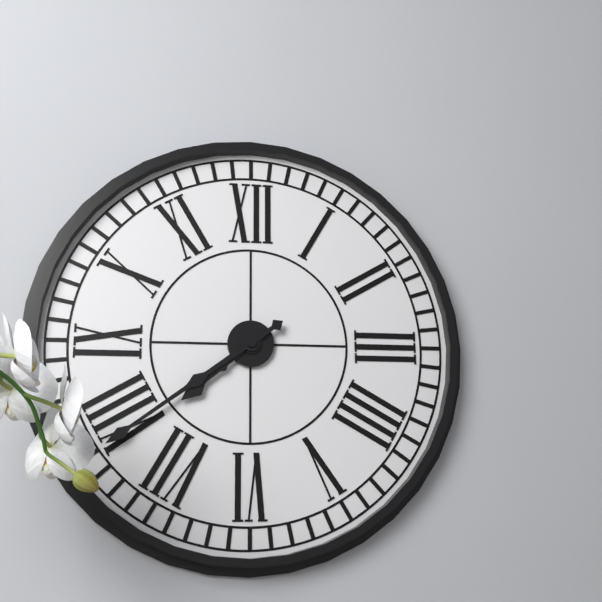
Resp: 7,39
